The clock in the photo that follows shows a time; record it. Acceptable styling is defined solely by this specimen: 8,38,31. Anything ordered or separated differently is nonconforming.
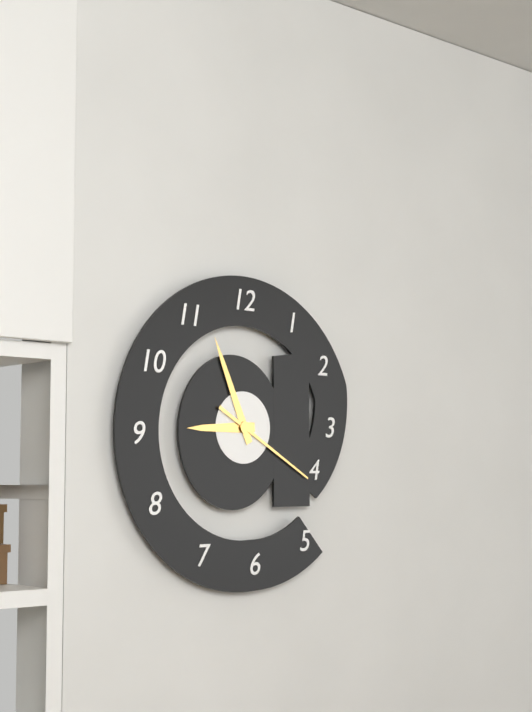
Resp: 8,56,20
